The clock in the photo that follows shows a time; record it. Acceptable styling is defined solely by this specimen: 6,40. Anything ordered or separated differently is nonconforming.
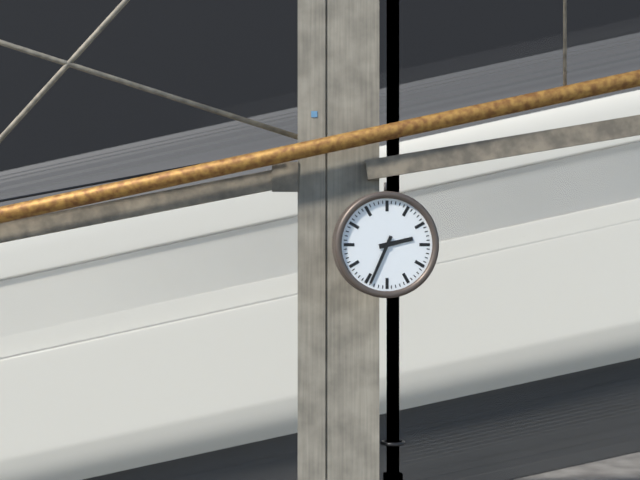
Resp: 2,34
